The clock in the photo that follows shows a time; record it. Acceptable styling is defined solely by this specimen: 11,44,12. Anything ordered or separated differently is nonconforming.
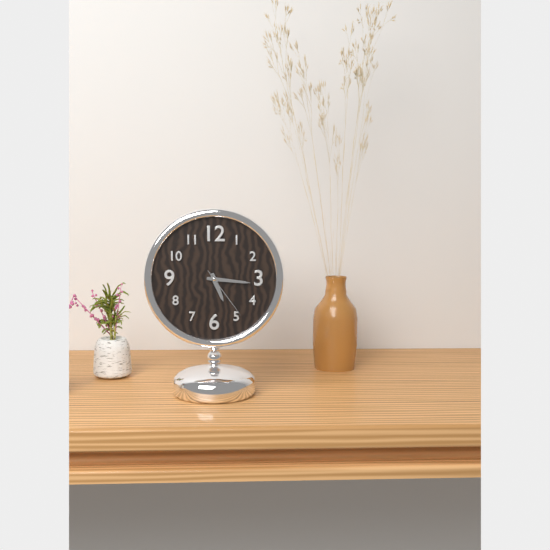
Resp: 5,16,24
